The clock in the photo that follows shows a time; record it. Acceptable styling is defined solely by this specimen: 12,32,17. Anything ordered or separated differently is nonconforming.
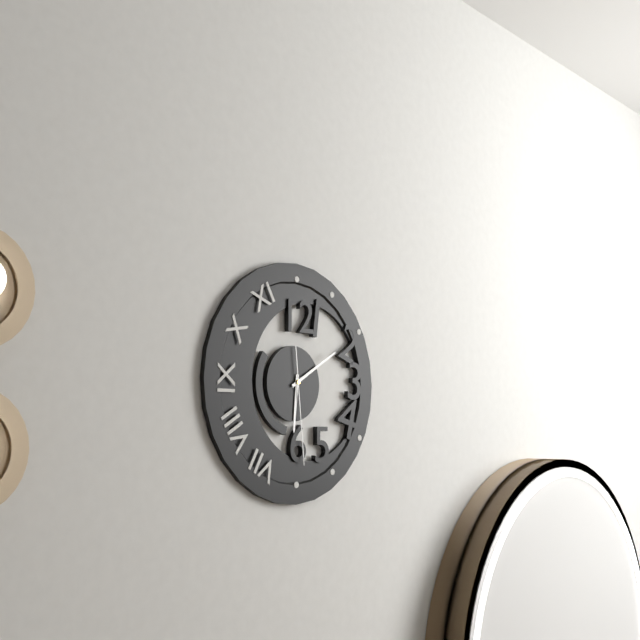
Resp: 6,10,29
